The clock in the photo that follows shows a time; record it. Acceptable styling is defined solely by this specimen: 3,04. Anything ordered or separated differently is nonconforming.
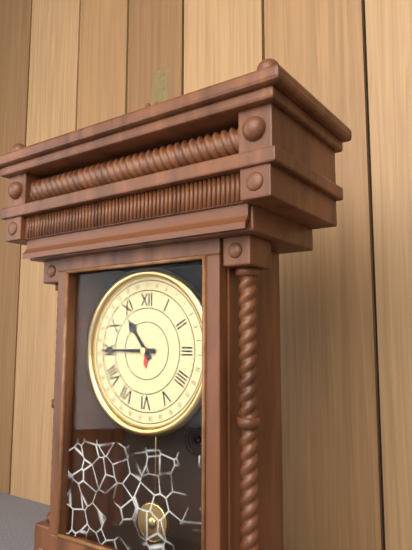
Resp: 10,45
